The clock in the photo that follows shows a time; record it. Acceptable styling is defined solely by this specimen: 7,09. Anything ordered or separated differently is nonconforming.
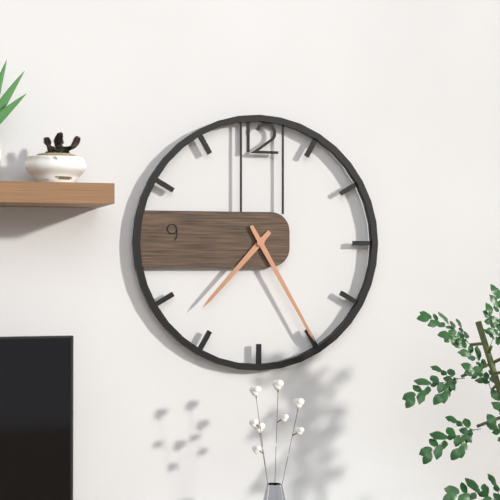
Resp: 7,25
